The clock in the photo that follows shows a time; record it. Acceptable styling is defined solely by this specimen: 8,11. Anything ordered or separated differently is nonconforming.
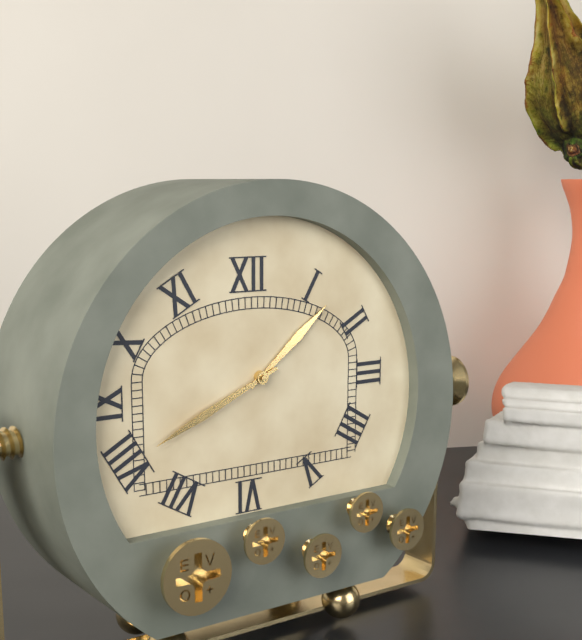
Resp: 1,41
